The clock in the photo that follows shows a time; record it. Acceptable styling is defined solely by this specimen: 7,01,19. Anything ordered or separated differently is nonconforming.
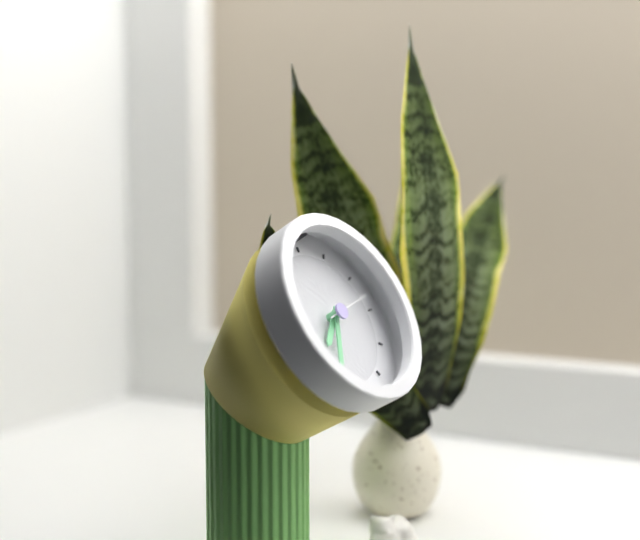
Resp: 7,35,13
